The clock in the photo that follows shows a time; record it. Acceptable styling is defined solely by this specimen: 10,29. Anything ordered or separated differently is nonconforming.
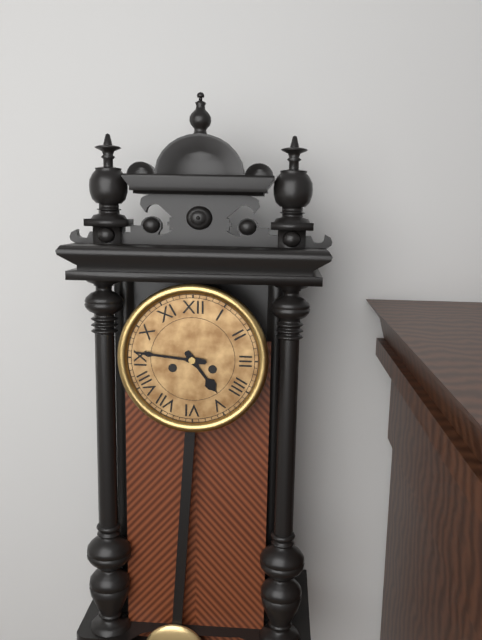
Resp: 4,46
